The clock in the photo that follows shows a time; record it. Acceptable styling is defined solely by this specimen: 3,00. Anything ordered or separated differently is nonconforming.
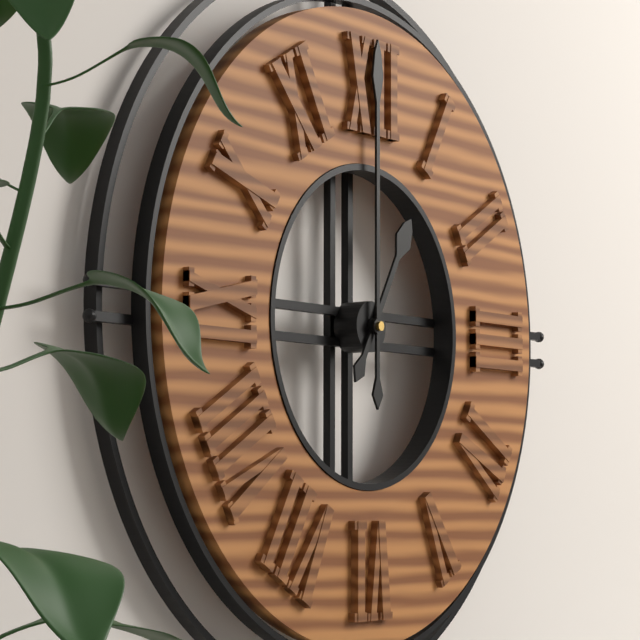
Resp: 1,00
